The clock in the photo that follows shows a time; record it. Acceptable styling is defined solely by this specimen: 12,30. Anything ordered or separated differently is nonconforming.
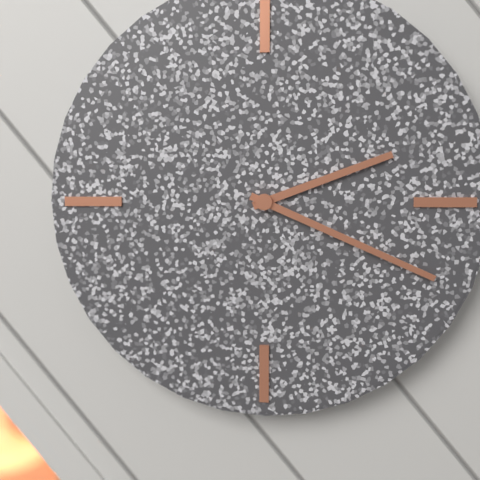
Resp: 2,19
